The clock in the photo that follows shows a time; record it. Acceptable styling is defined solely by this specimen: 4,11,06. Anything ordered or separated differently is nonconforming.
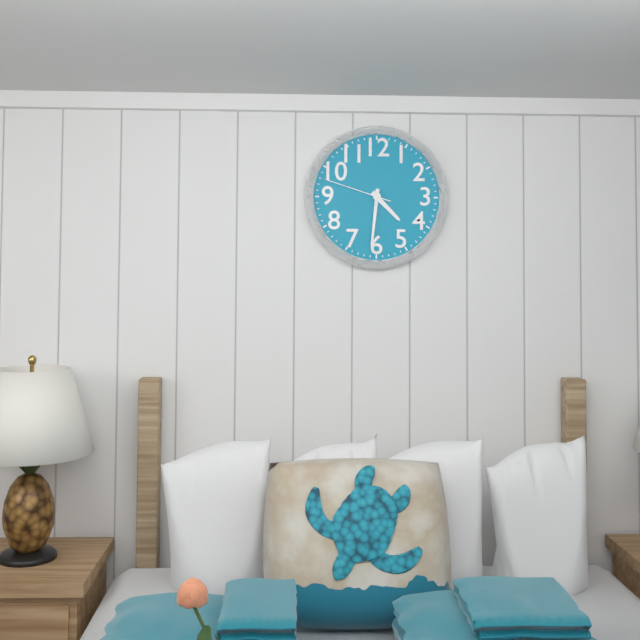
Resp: 4,31,48
